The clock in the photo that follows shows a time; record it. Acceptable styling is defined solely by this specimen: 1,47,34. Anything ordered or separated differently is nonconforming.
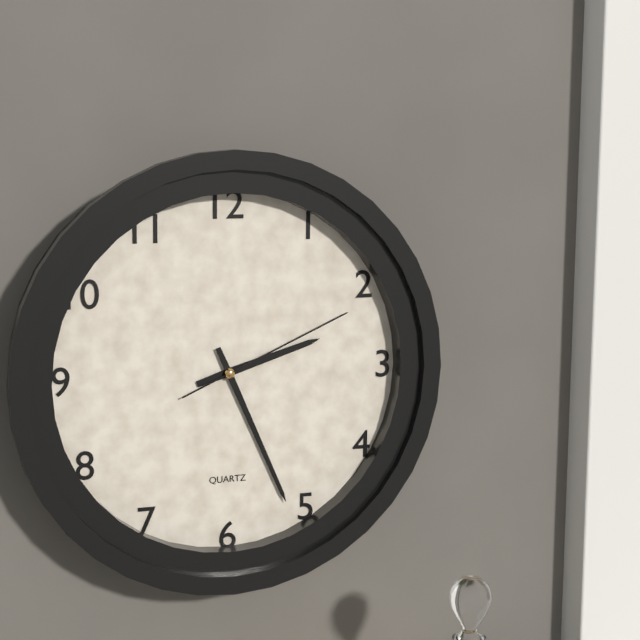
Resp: 2,26,11
